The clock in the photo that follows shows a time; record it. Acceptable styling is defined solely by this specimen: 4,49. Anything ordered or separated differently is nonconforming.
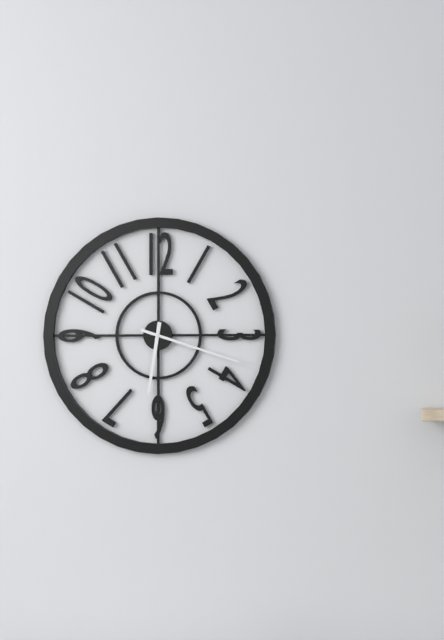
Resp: 6,18
